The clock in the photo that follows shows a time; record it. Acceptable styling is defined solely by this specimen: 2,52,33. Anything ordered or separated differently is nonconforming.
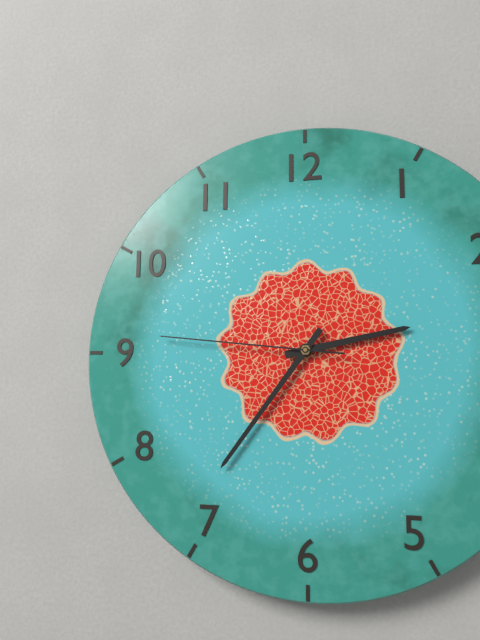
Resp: 2,36,46
